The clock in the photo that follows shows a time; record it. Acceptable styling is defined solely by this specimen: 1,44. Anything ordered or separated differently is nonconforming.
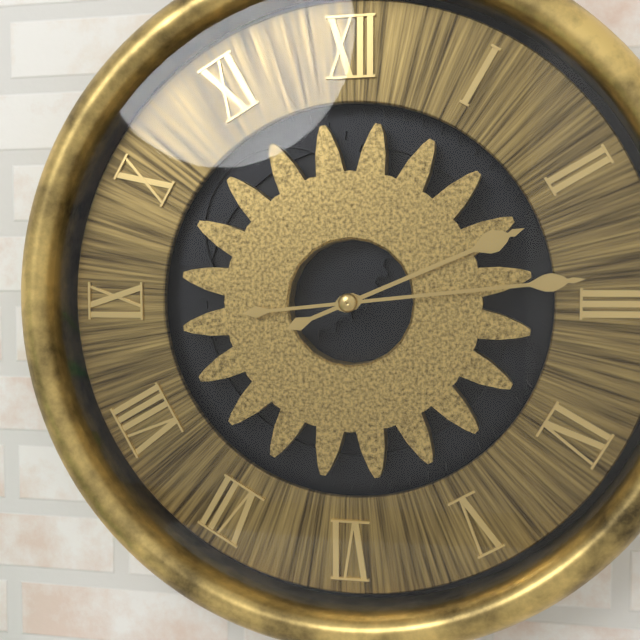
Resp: 2,14
